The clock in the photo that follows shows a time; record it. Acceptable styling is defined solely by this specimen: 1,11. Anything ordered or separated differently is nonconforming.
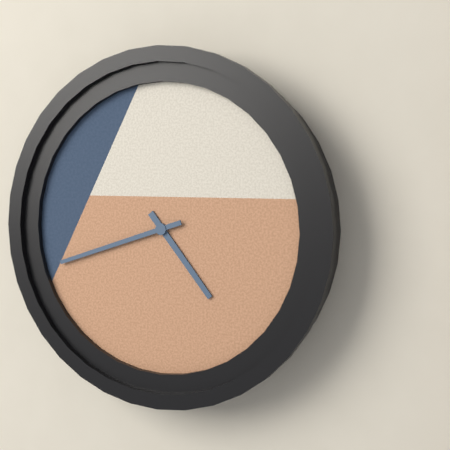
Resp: 4,42
